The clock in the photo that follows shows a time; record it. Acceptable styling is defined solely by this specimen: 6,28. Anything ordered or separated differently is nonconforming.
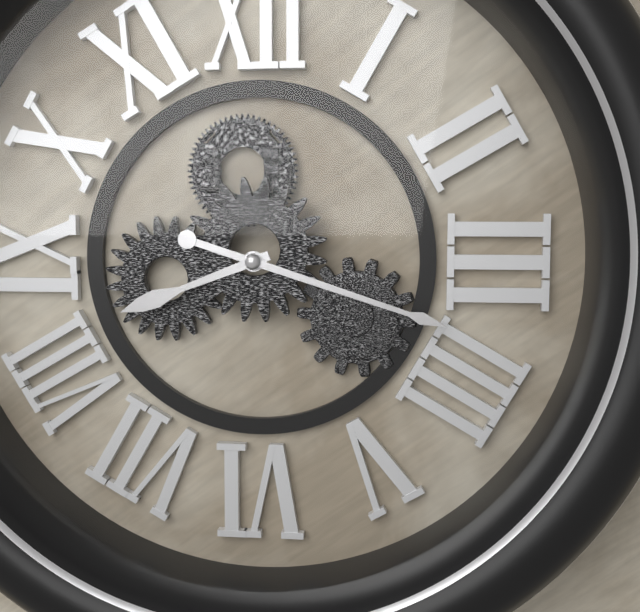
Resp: 8,18
